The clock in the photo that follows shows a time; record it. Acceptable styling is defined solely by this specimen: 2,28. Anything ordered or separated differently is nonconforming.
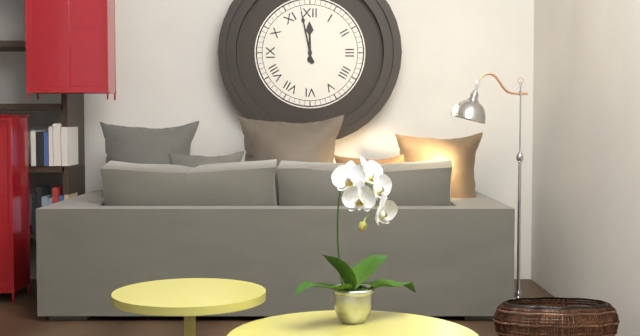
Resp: 11,58
